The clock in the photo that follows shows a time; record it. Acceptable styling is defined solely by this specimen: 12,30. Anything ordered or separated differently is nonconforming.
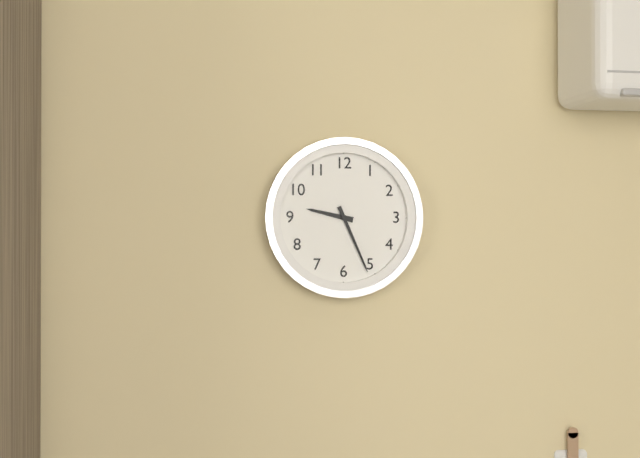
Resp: 9,26
